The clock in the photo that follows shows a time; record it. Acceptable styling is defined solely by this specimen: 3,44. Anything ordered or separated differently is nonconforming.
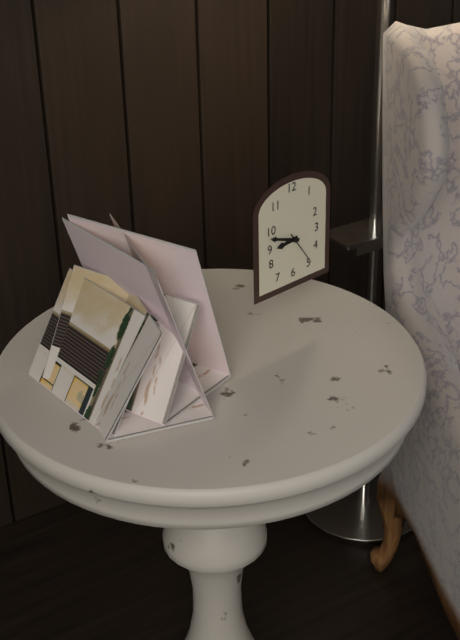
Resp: 8,48
